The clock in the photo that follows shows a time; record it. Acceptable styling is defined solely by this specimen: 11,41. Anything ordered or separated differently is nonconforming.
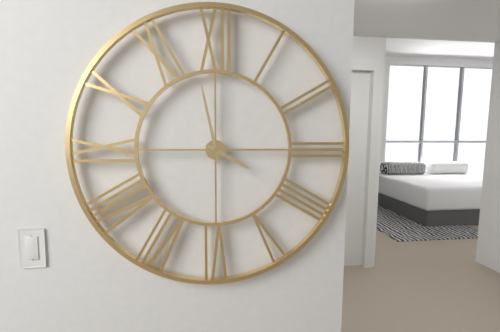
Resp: 3,58
